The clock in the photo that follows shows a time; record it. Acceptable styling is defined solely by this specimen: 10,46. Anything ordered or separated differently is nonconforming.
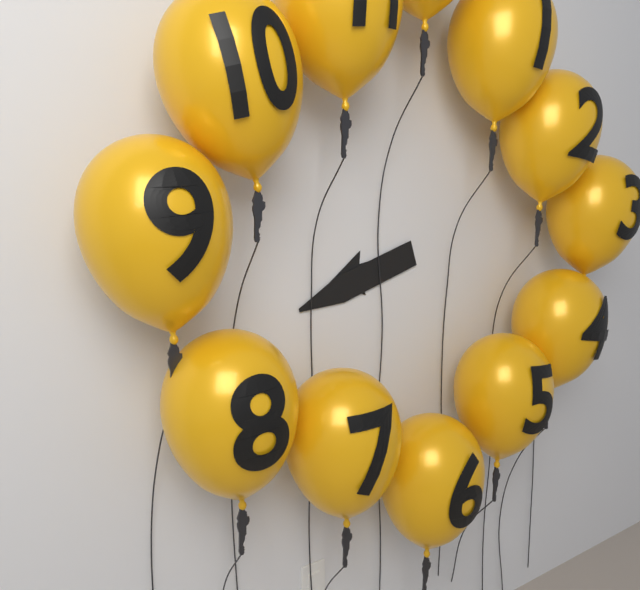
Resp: 8,42
